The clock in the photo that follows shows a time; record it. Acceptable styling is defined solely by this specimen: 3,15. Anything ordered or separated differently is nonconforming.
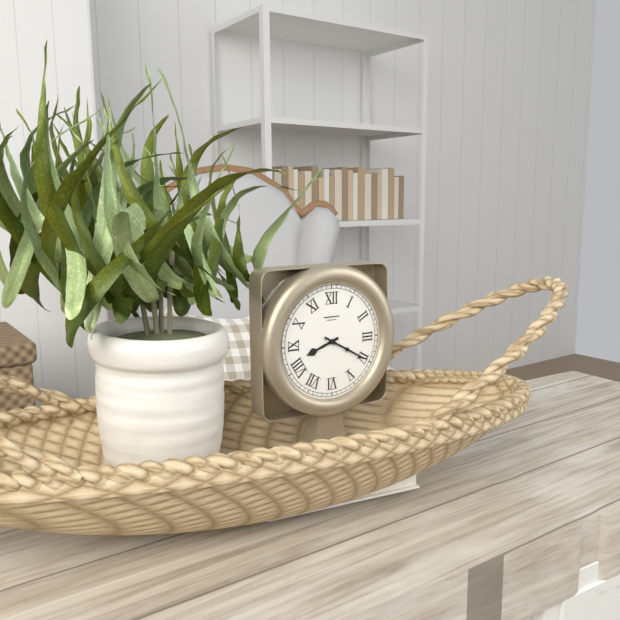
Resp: 8,20
